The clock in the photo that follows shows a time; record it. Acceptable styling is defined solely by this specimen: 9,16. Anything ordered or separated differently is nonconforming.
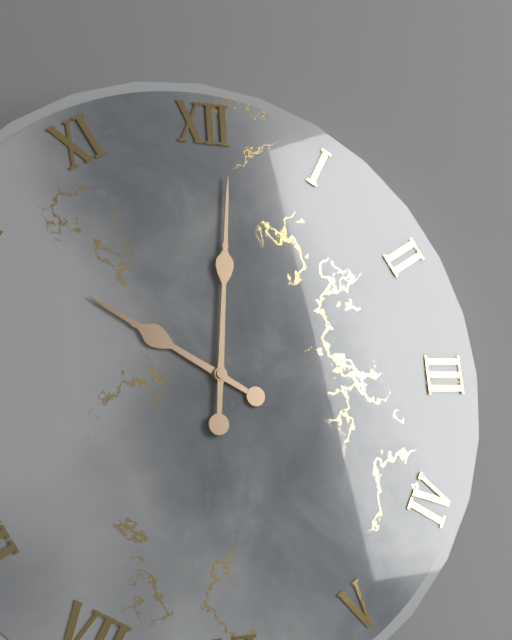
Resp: 10,01
